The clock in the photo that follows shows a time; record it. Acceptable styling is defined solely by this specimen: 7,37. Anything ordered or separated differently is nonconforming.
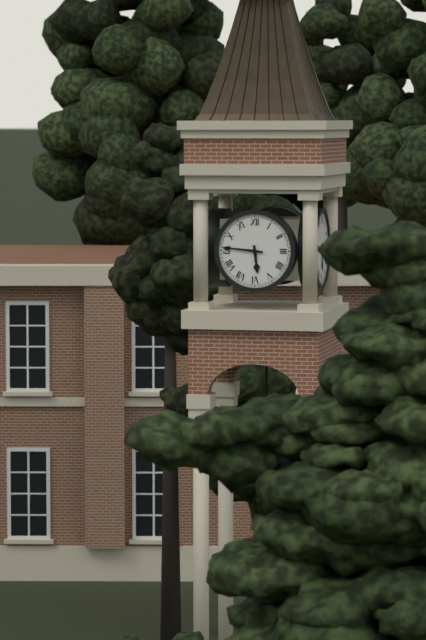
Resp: 5,46
